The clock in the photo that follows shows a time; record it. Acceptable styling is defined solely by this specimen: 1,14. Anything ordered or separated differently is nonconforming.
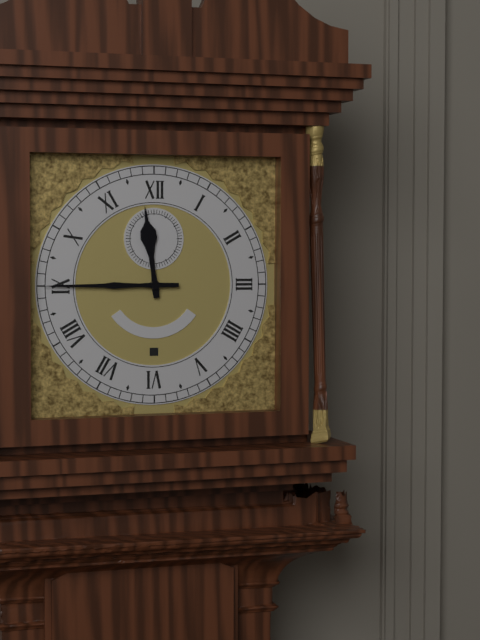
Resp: 11,45
